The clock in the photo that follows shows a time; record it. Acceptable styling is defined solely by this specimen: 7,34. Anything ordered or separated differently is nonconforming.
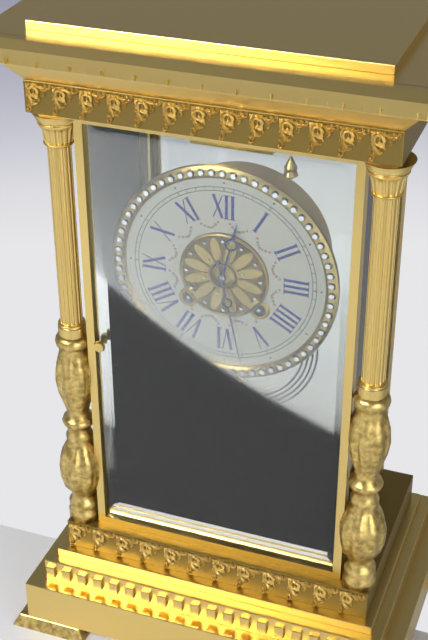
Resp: 12,28
